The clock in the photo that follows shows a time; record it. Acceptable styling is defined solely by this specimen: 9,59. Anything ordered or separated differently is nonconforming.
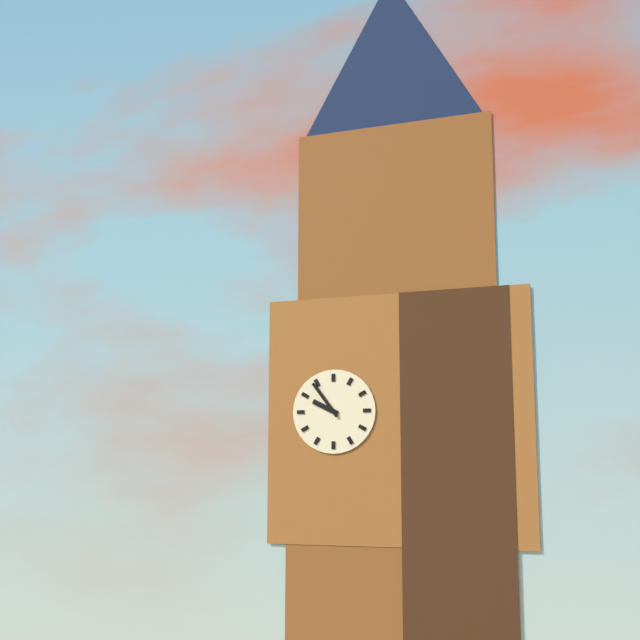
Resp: 9,54
